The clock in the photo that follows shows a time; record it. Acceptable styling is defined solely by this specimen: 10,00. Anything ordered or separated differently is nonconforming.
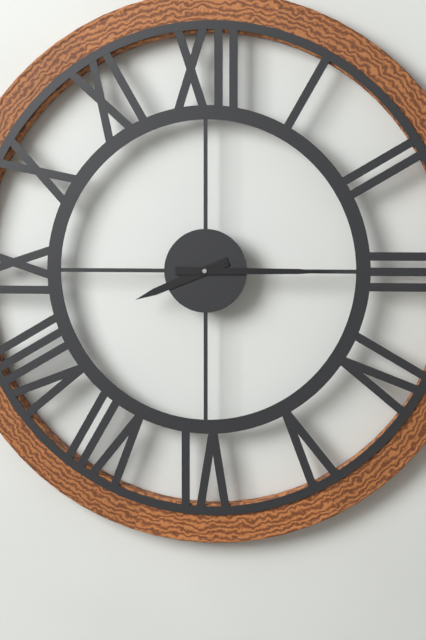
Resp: 8,15
